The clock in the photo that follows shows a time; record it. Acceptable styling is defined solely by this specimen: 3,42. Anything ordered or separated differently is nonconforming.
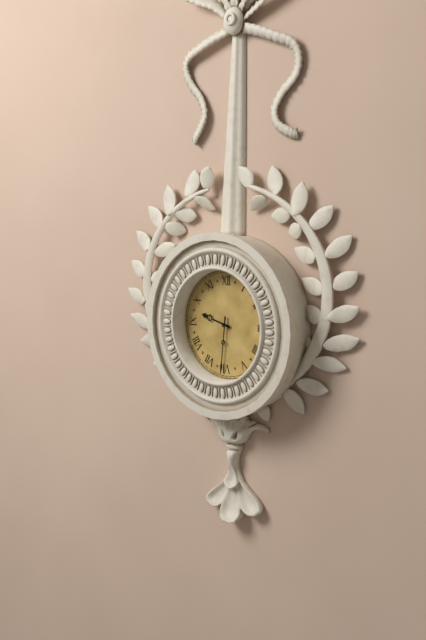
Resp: 9,31
